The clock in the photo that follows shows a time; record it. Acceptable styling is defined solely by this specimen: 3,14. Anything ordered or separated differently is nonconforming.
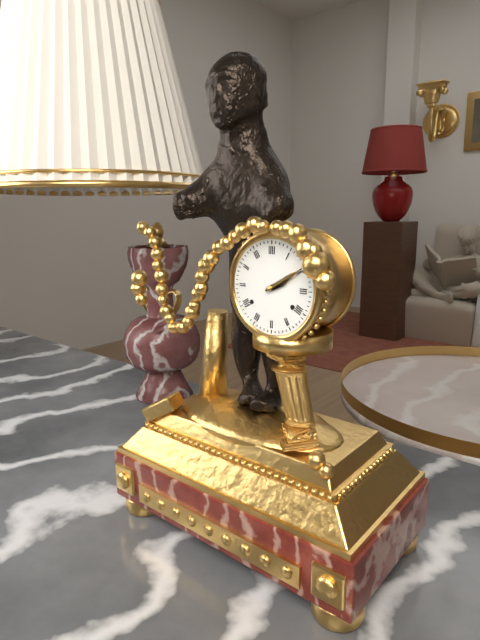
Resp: 2,10
